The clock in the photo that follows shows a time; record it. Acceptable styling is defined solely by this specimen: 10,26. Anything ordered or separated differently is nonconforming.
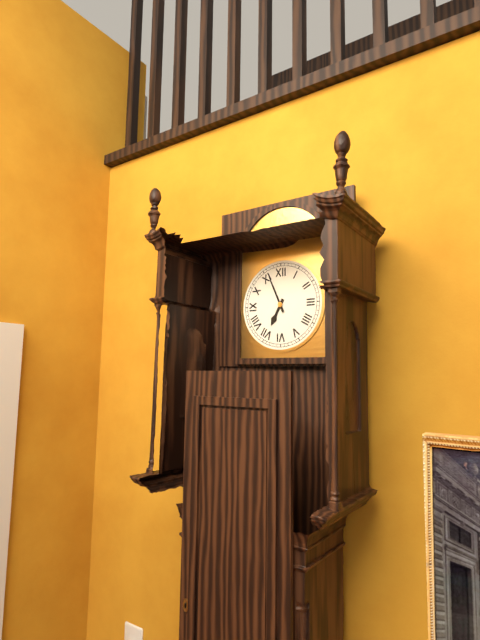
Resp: 6,56
